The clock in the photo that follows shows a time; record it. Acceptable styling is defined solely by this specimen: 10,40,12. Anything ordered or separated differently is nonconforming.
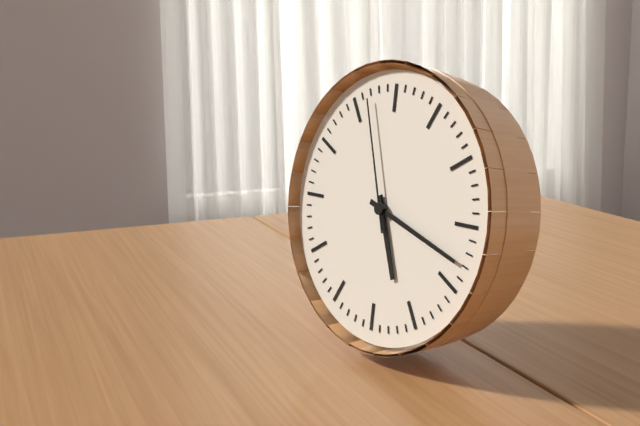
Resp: 5,18,57
